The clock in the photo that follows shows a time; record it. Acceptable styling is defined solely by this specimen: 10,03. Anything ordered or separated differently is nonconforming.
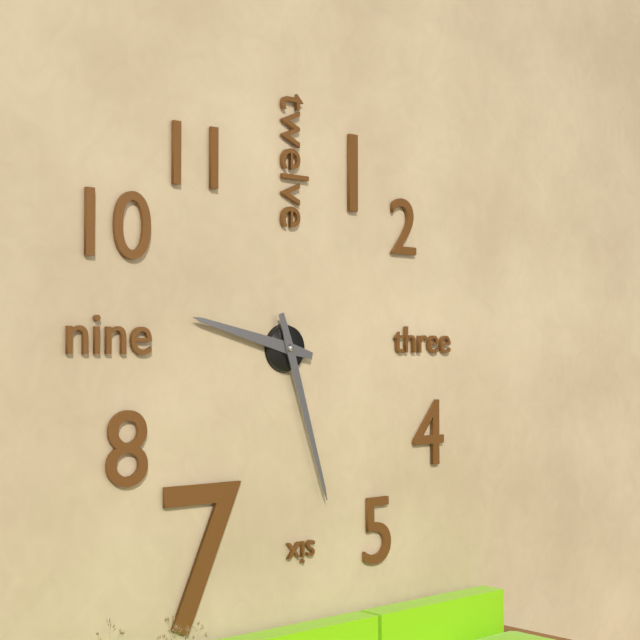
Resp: 9,27
